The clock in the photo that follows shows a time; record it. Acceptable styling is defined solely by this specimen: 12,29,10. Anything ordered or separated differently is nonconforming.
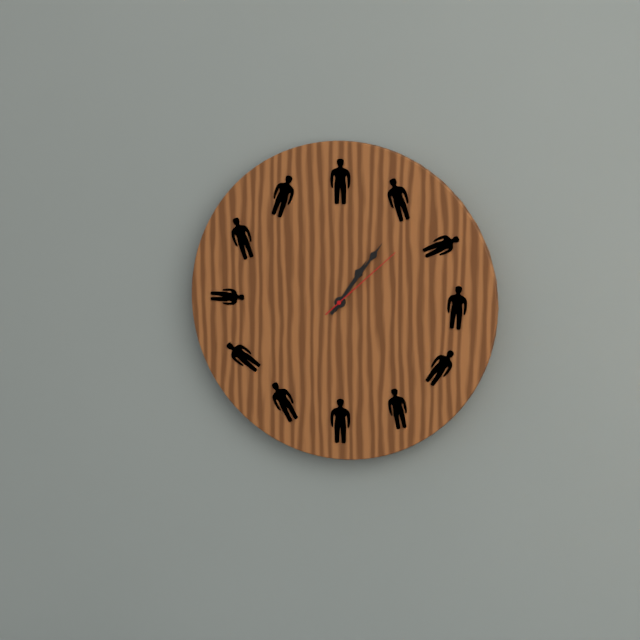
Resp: 1,06,08
